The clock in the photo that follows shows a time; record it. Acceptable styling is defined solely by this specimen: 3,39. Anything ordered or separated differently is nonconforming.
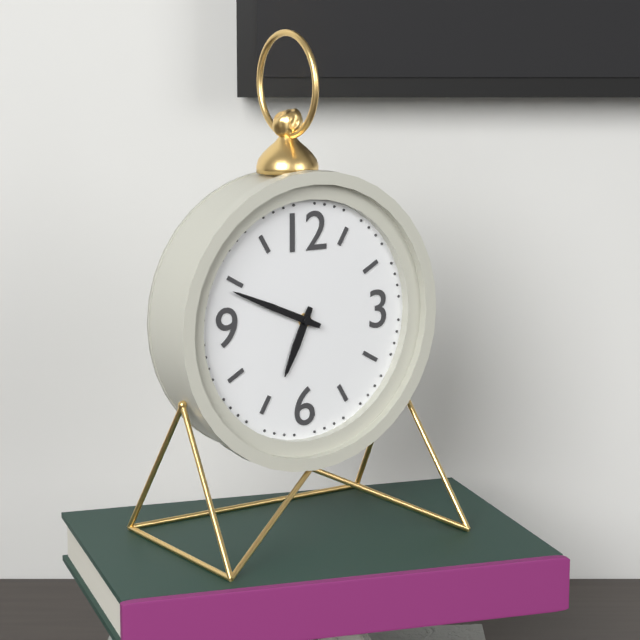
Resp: 6,49
